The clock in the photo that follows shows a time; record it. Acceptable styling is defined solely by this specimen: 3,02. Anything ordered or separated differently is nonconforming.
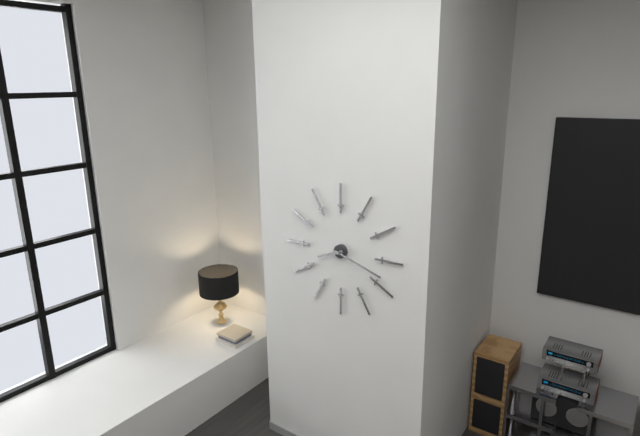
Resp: 8,18
